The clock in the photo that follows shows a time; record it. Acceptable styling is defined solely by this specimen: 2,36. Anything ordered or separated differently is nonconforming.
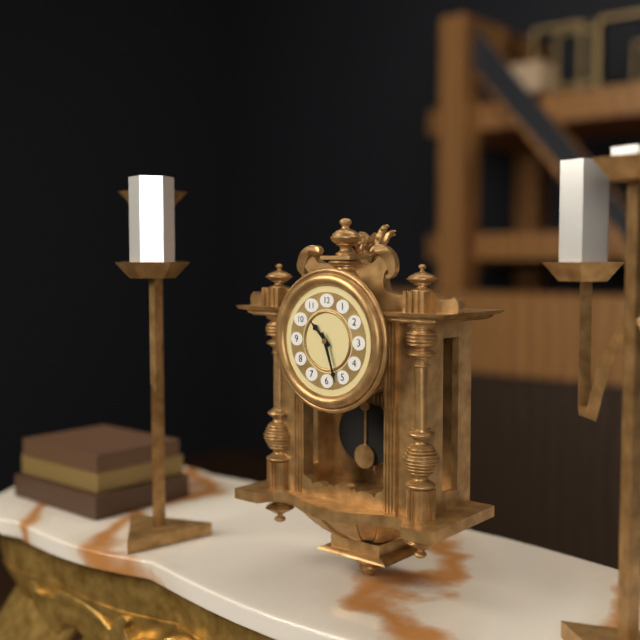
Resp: 10,27
